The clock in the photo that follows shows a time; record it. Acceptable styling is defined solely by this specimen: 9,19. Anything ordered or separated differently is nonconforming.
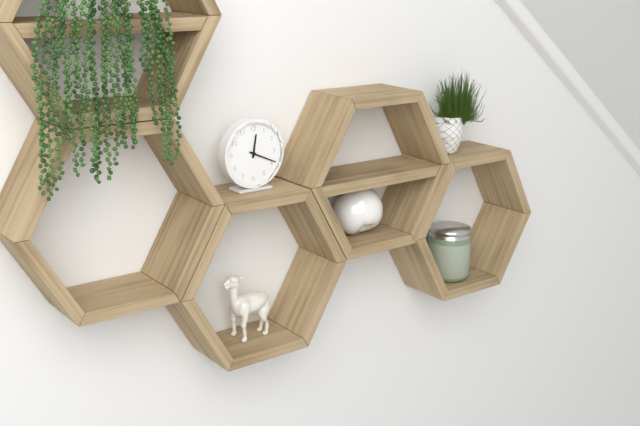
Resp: 12,19
